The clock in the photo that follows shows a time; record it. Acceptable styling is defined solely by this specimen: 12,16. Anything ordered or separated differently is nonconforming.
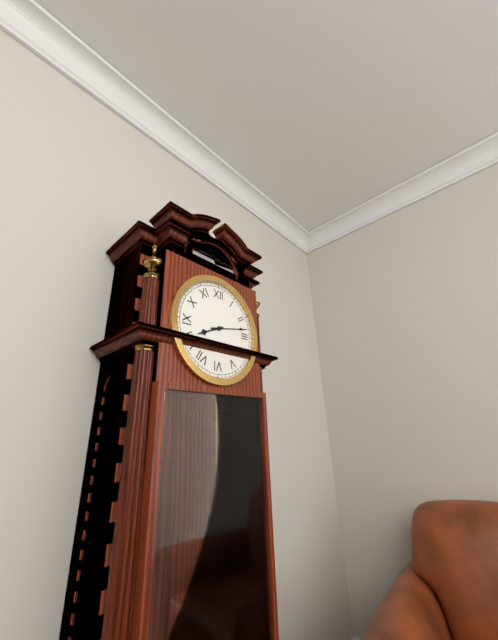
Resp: 8,13
